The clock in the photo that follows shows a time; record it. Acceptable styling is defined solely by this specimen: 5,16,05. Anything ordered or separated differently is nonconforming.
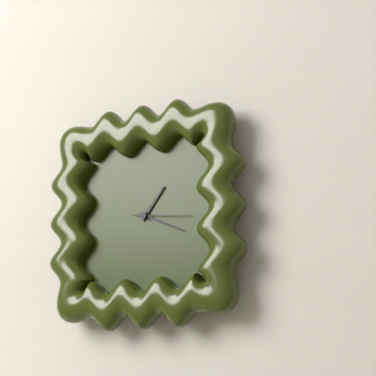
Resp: 1,19,16
